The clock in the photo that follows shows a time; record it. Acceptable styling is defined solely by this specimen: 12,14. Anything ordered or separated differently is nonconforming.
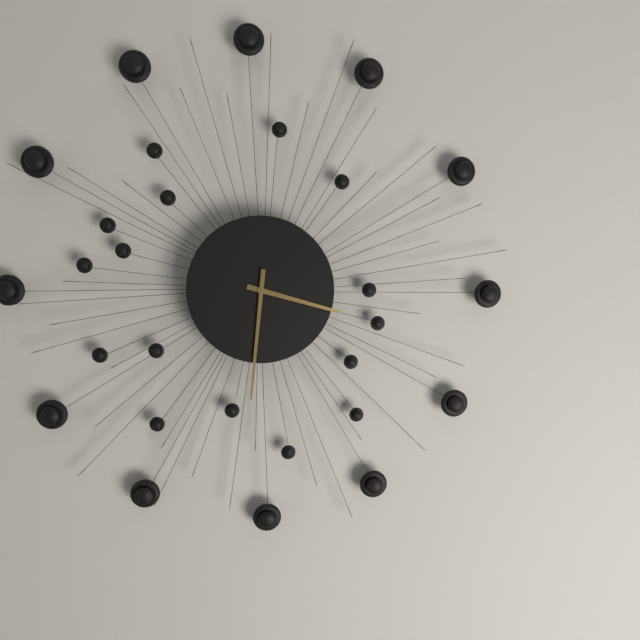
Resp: 3,31
